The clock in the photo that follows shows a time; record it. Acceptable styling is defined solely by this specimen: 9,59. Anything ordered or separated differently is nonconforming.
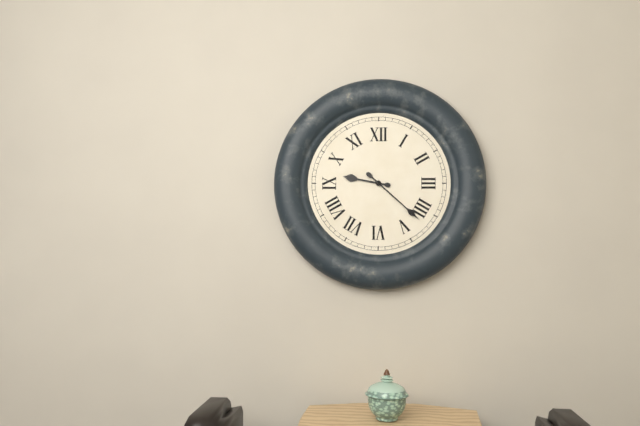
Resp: 9,22
